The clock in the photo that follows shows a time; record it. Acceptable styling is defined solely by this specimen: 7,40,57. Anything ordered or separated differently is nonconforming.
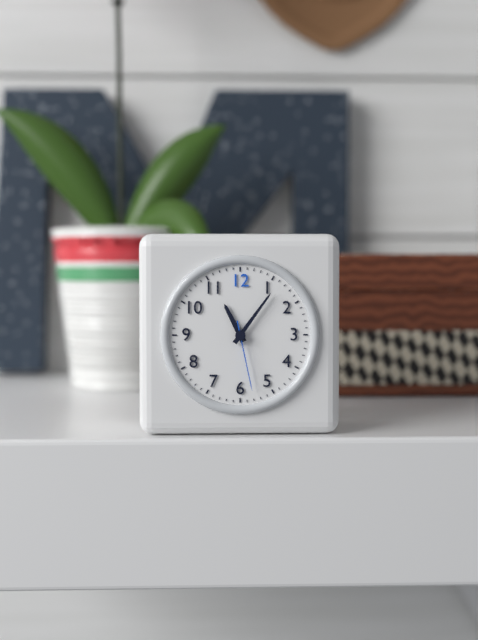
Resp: 11,06,28
